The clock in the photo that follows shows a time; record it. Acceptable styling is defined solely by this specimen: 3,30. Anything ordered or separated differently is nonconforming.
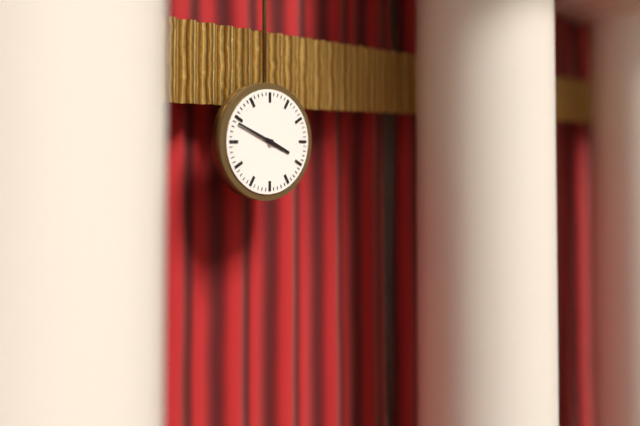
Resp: 3,49
